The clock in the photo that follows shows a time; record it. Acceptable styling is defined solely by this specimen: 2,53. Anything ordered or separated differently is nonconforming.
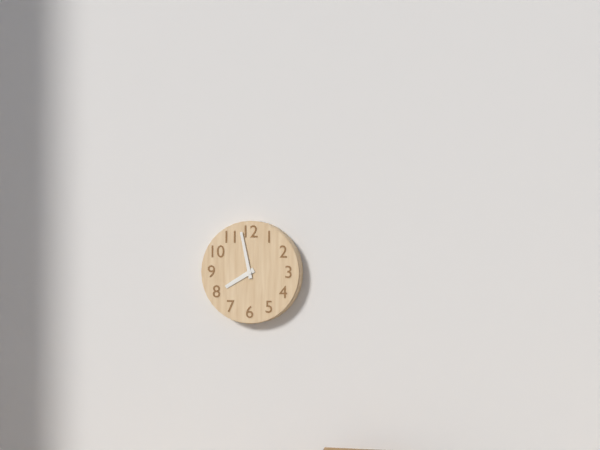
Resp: 7,58
